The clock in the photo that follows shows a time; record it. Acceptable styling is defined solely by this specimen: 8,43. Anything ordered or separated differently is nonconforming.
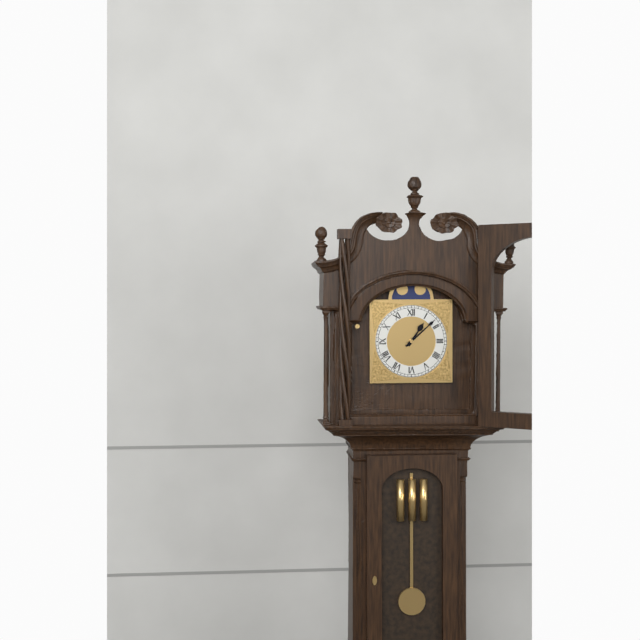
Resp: 1,08
